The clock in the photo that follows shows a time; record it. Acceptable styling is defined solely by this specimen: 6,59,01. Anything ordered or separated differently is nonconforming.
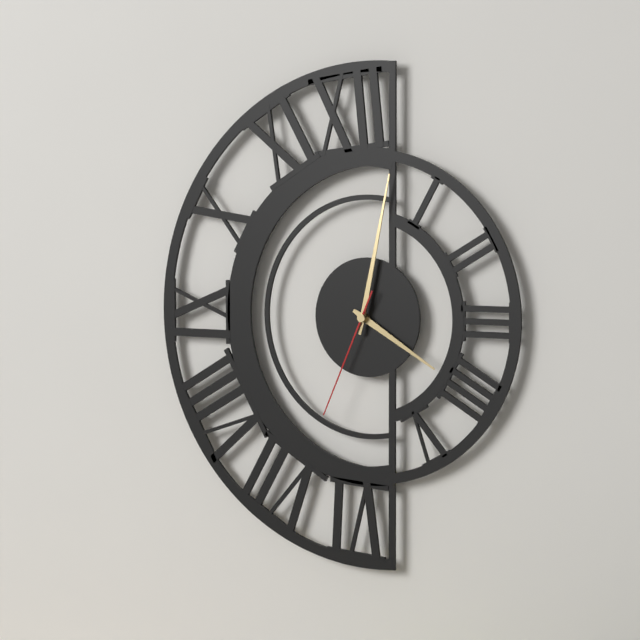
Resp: 4,02,34
